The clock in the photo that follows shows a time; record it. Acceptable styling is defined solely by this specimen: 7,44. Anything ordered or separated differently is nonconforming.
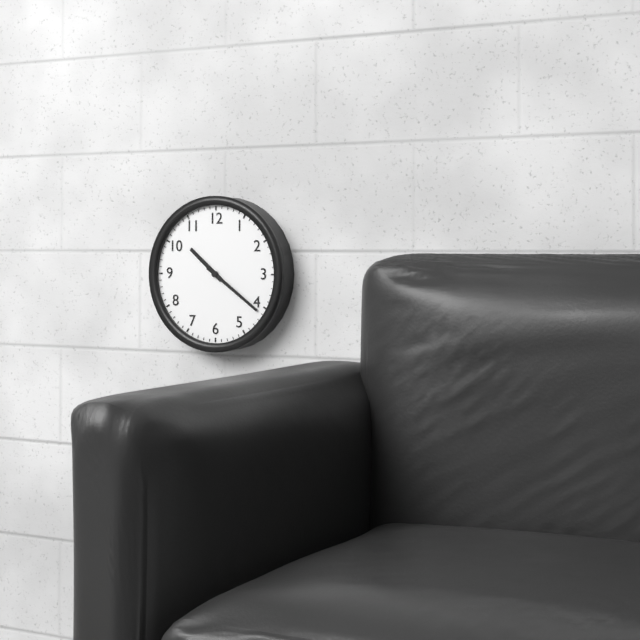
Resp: 10,21
